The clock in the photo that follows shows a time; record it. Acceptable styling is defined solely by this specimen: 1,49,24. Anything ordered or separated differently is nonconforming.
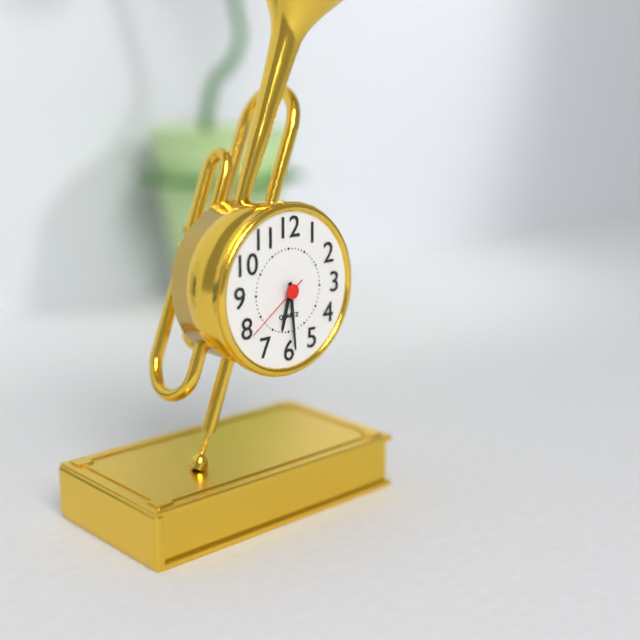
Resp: 6,29,39
